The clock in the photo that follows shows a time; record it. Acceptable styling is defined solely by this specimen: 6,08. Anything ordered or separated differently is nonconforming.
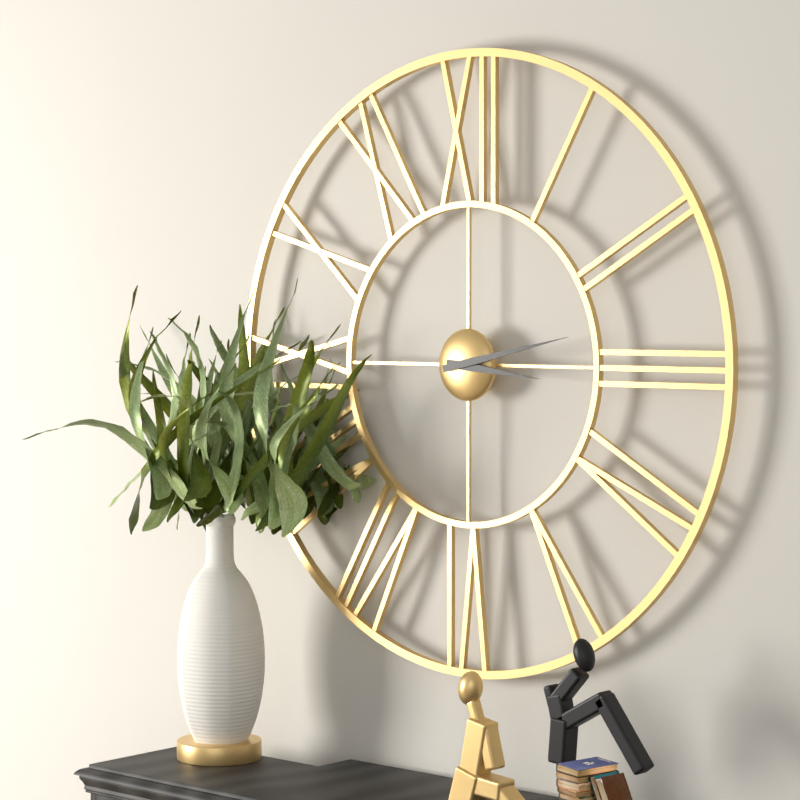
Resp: 3,13
